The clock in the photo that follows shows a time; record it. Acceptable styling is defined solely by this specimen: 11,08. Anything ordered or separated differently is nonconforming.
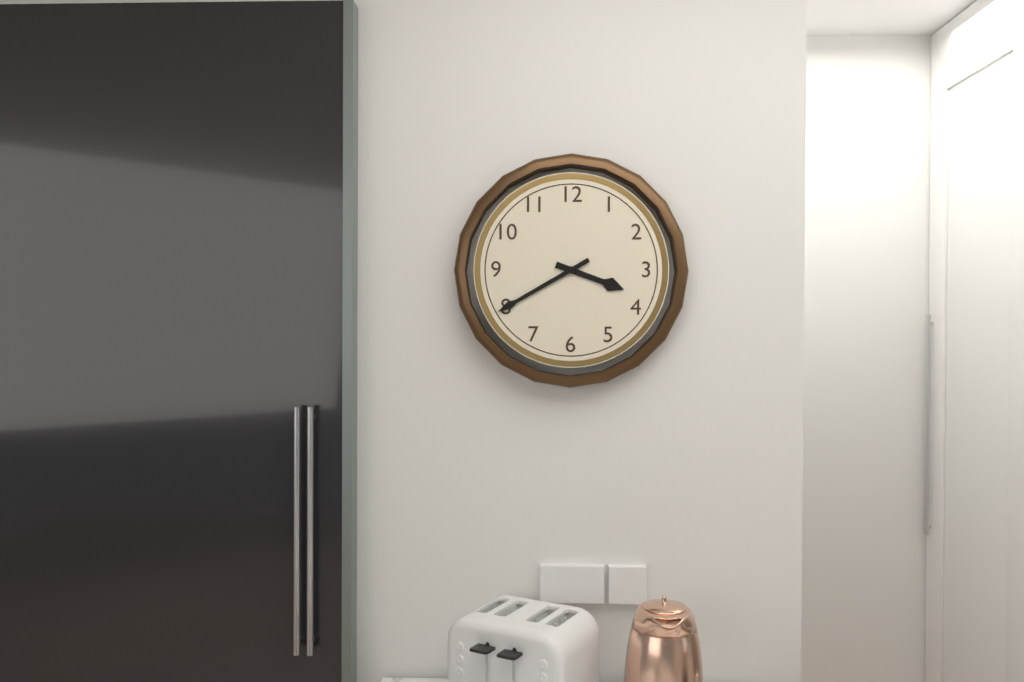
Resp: 3,40
